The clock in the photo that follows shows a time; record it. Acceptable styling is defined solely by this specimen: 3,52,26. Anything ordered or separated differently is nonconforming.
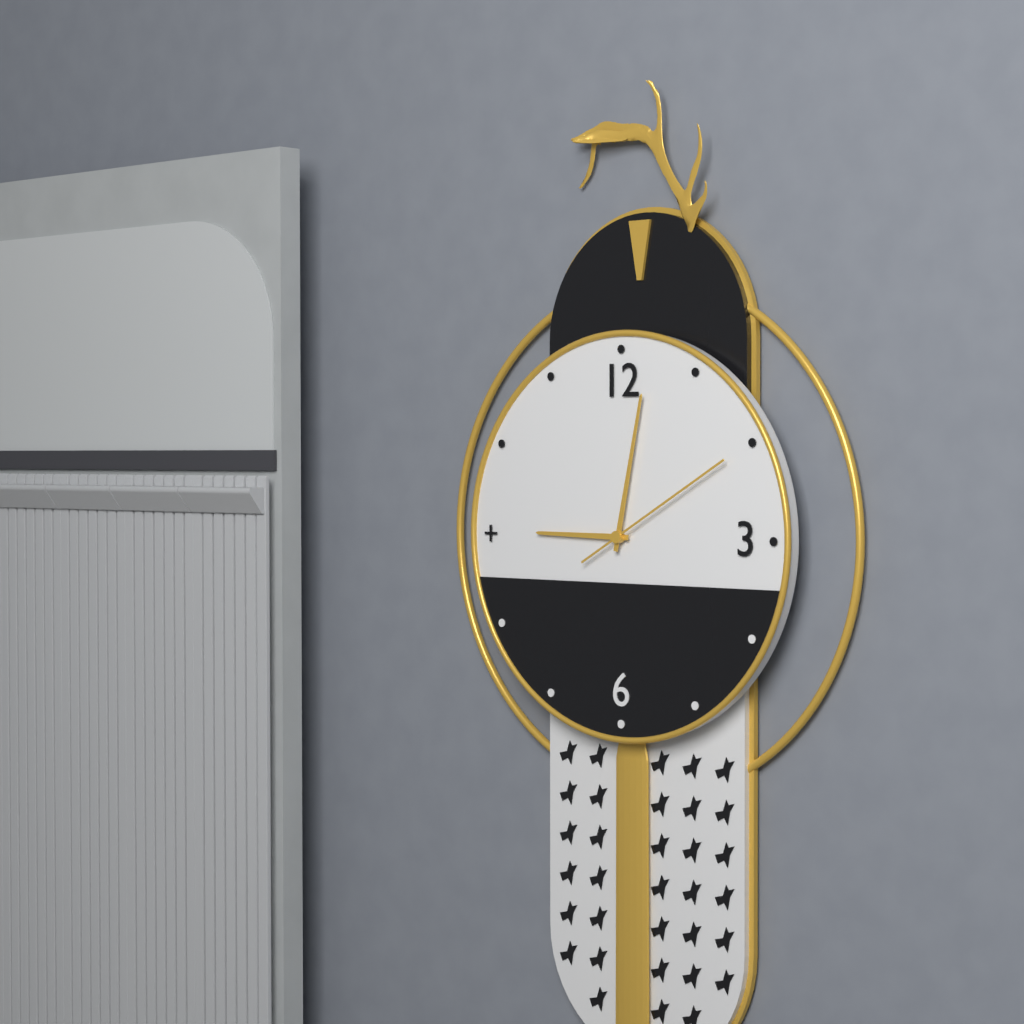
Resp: 9,02,10
